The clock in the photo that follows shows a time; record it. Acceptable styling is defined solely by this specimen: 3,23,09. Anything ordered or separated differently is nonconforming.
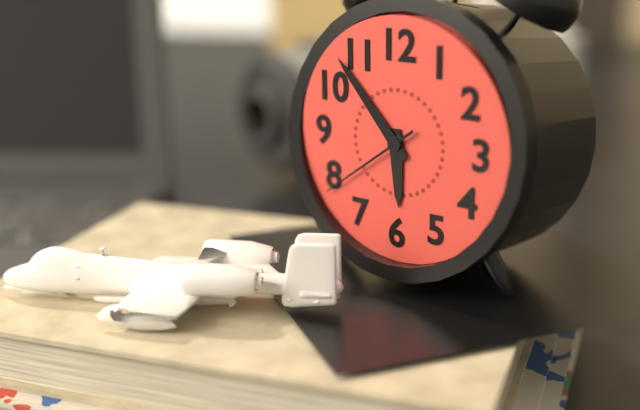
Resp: 5,53,39
